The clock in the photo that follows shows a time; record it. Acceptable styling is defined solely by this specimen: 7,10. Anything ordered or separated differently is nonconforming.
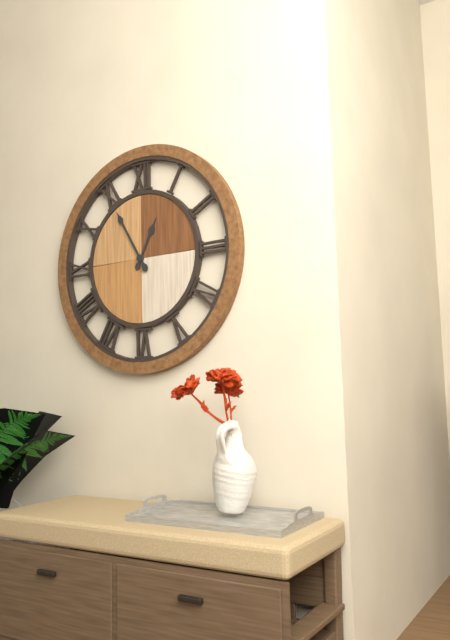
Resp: 12,55
